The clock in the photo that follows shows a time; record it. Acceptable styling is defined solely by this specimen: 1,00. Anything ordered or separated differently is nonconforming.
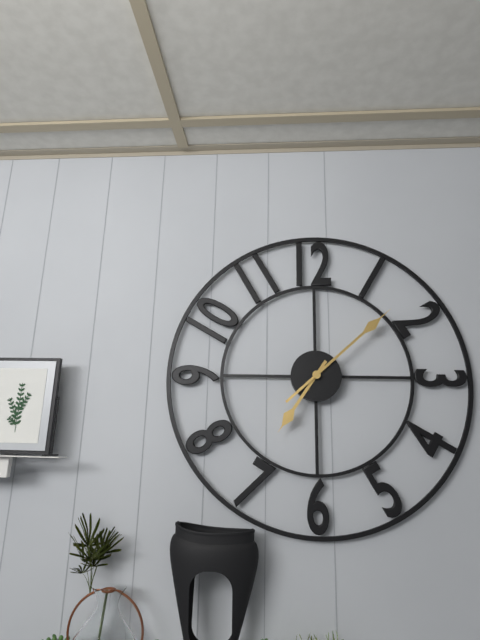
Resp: 7,08
